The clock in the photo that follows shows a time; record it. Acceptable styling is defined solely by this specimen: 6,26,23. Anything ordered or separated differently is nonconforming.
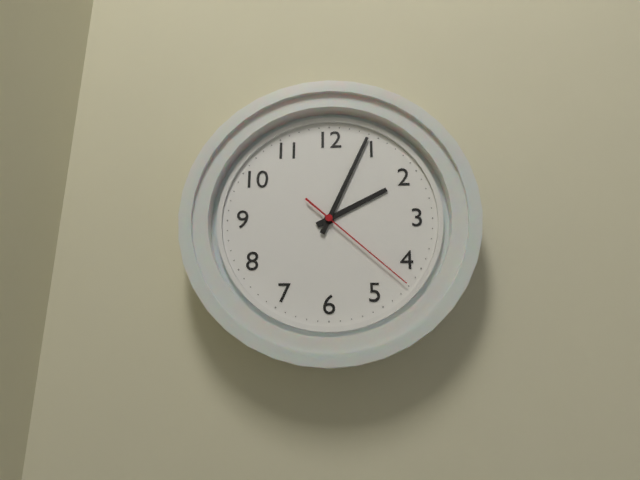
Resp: 2,04,22
